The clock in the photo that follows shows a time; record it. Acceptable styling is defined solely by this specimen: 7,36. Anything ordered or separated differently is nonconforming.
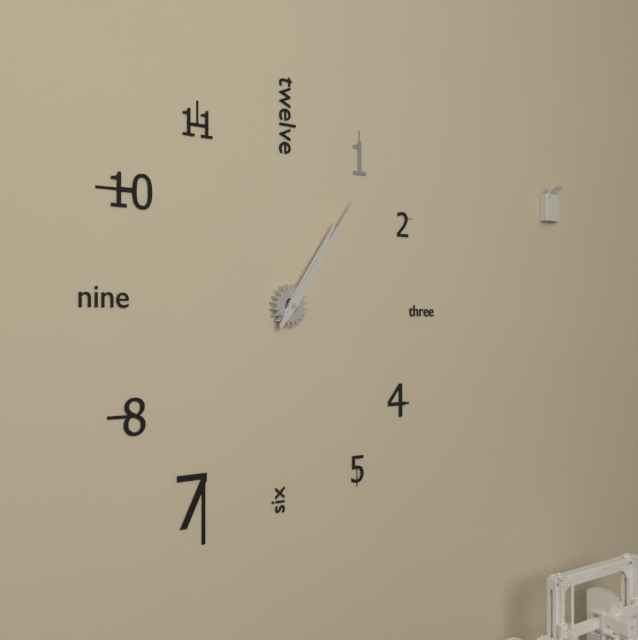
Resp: 1,06
